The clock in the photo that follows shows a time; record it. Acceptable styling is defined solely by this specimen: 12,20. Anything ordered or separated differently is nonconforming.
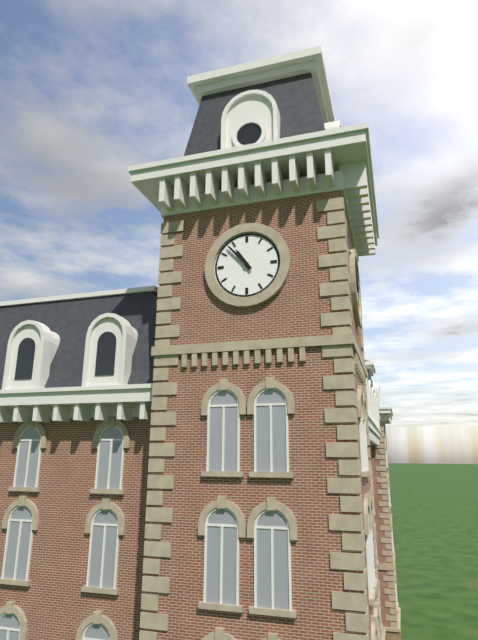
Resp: 10,53
